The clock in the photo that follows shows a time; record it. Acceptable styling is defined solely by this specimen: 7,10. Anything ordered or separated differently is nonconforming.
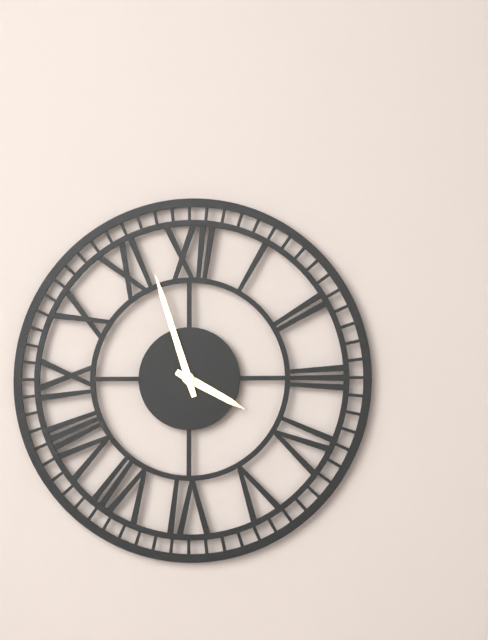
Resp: 3,57
